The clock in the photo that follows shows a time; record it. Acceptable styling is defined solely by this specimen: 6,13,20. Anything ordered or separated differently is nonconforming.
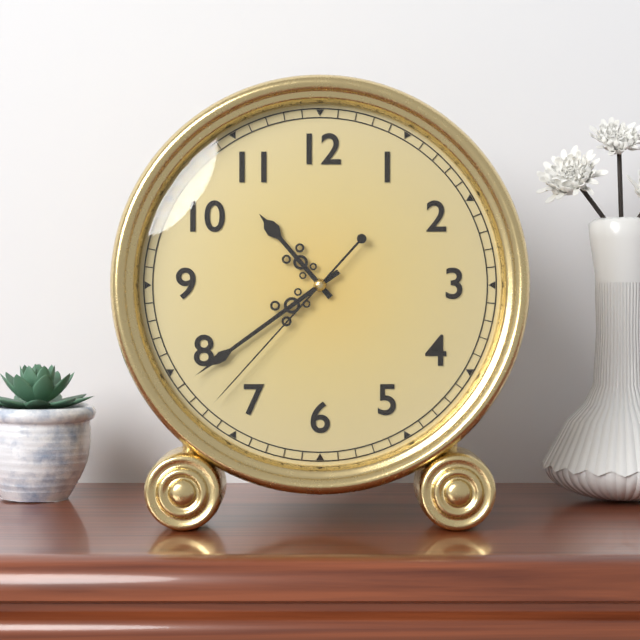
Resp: 10,39,37
